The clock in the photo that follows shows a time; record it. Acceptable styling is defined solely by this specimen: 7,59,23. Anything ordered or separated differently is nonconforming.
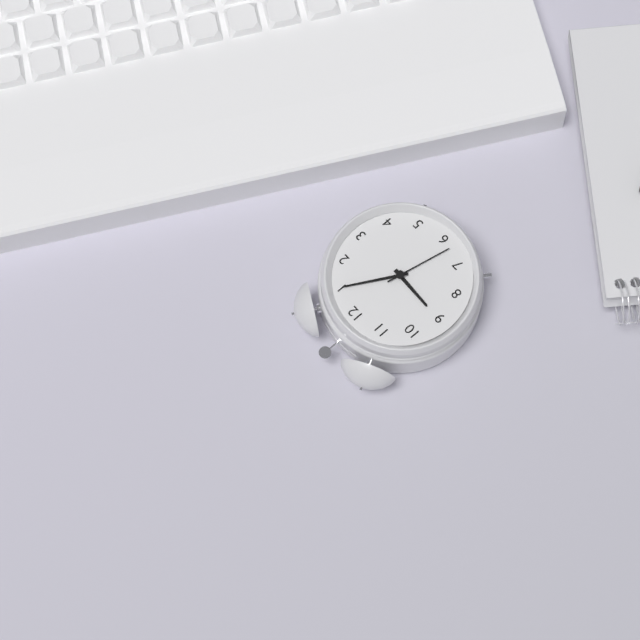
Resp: 9,05,32
